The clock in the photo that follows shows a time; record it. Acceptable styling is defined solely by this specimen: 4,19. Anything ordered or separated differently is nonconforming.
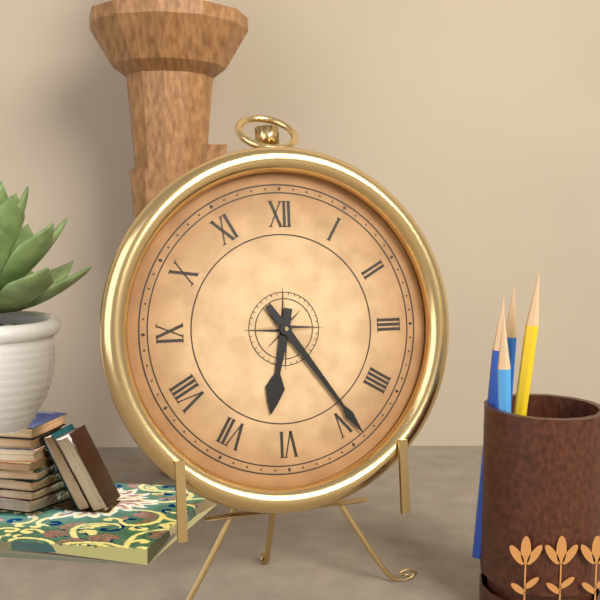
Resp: 6,24
